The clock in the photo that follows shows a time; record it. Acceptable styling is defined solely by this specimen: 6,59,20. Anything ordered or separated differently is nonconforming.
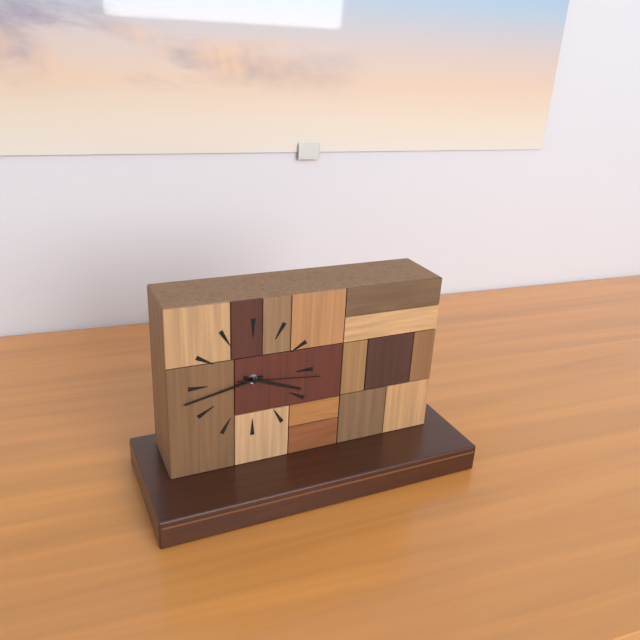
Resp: 3,43,16
